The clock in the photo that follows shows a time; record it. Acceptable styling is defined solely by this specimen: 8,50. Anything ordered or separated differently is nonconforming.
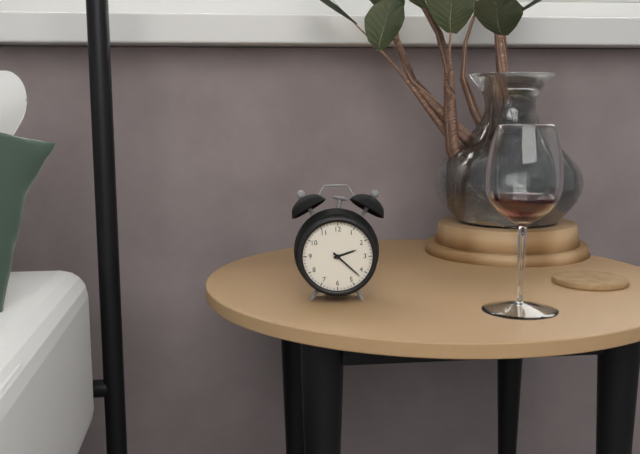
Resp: 2,22
